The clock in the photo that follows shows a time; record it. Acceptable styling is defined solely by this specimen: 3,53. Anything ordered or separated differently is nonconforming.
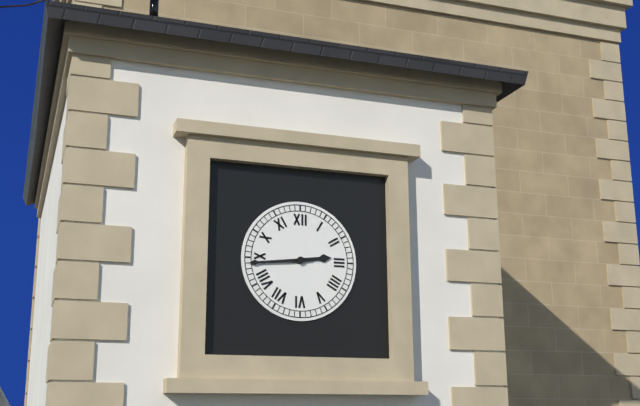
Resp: 2,44
